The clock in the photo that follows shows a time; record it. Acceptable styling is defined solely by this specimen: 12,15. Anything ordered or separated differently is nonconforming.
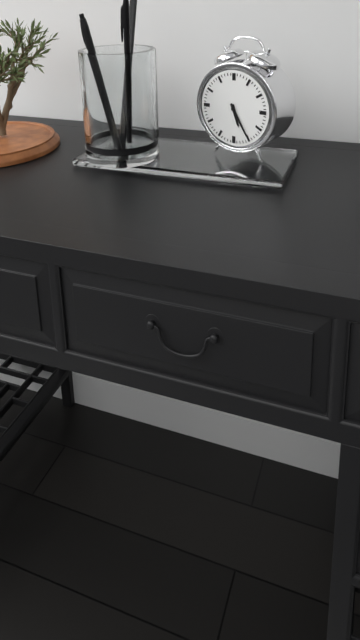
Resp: 5,25
